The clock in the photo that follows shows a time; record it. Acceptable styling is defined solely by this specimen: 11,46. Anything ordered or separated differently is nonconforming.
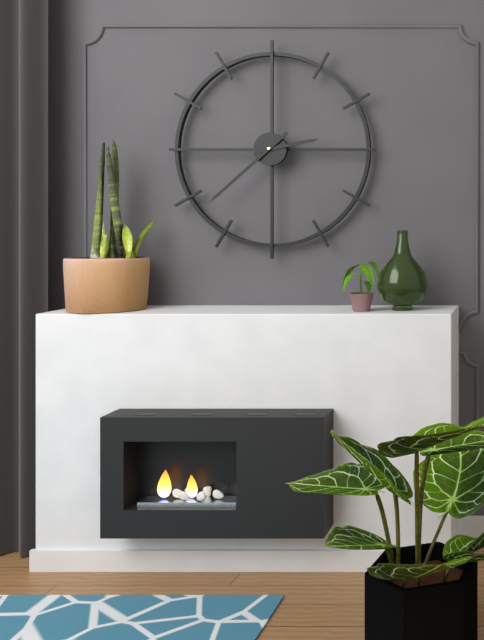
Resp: 2,38
